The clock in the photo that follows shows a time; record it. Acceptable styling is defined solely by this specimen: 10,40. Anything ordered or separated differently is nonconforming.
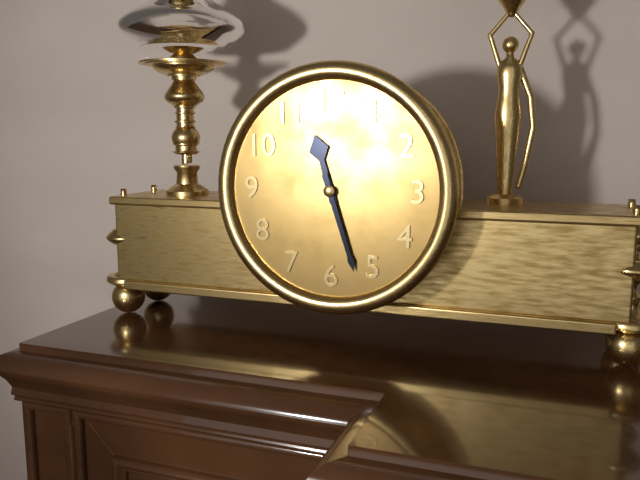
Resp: 11,27
